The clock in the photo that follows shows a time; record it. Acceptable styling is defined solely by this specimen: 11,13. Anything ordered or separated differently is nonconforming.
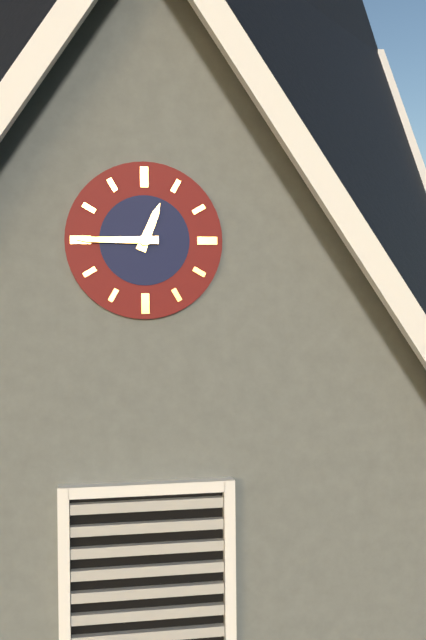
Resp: 12,45
